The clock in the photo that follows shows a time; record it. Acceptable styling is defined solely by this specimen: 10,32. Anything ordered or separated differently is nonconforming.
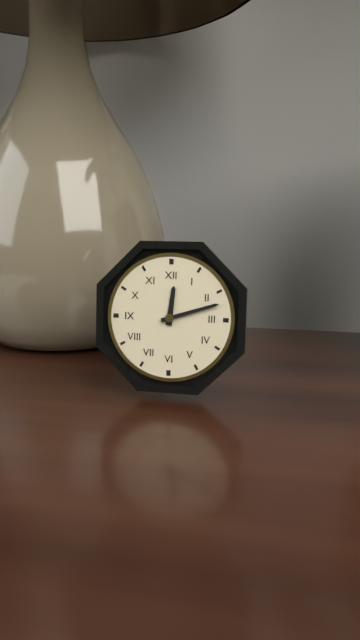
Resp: 12,12
